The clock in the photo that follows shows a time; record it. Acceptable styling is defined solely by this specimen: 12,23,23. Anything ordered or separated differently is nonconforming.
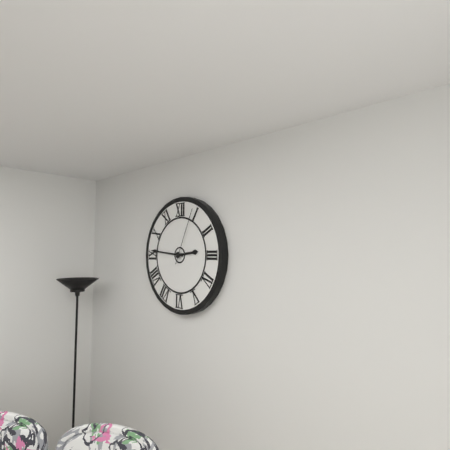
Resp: 2,46,04
